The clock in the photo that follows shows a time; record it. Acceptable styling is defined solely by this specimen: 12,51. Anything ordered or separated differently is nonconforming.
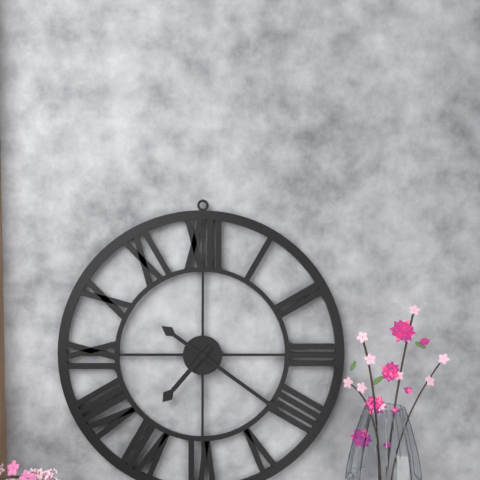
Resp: 7,21
